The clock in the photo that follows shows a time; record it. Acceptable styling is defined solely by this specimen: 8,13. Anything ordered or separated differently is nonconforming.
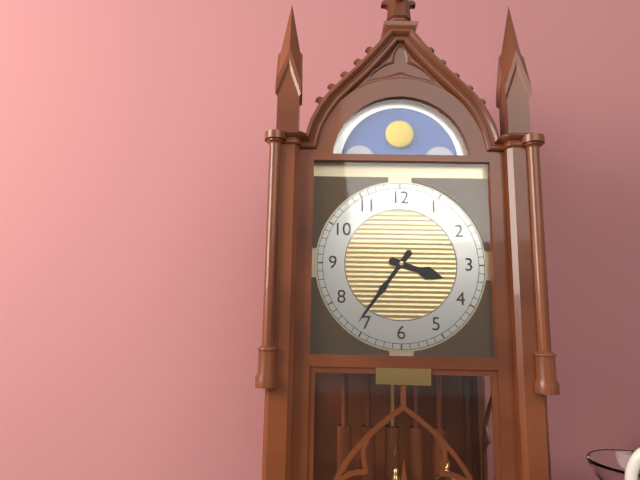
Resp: 3,36
